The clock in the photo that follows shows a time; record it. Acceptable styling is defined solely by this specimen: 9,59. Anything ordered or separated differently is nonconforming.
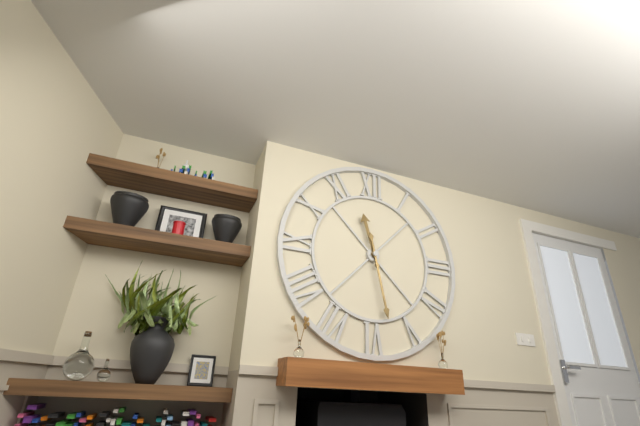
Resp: 11,28
